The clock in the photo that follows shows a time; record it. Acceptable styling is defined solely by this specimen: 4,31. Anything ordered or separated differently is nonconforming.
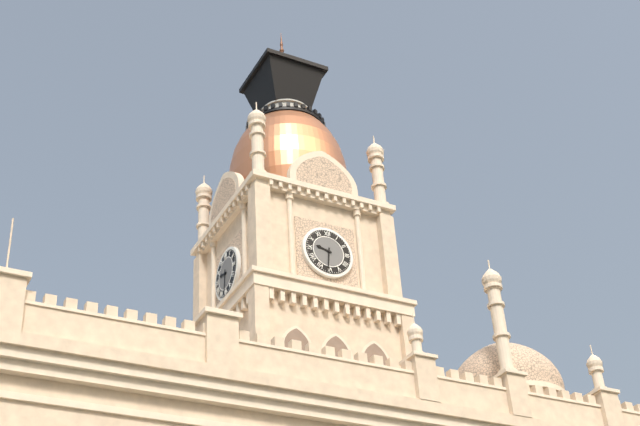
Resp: 9,31
